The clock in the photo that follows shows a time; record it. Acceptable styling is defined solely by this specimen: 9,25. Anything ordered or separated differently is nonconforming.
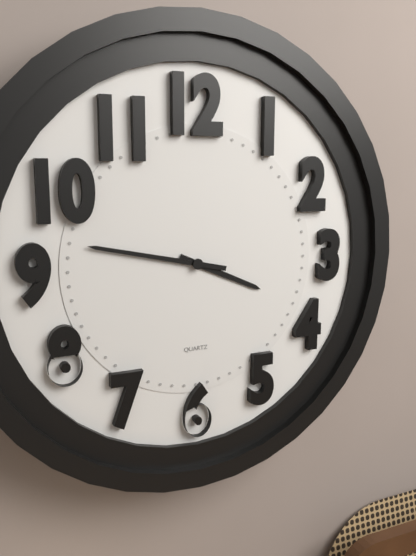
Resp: 3,47
